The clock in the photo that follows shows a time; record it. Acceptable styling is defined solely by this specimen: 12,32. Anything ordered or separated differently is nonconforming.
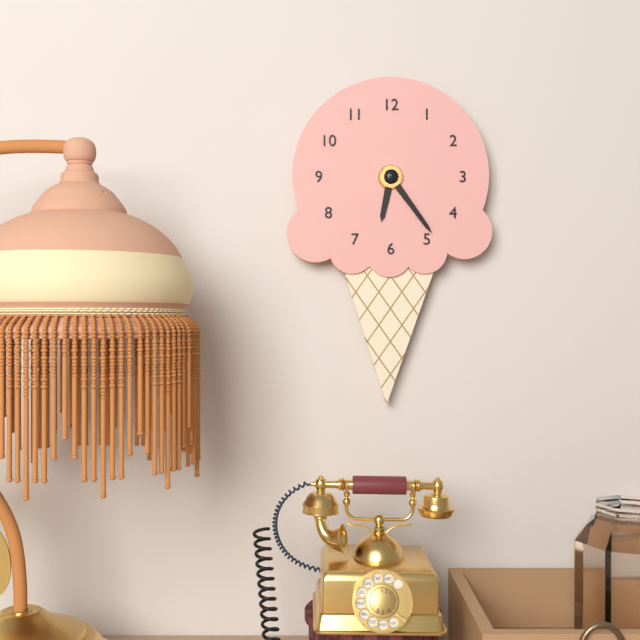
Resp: 6,24
